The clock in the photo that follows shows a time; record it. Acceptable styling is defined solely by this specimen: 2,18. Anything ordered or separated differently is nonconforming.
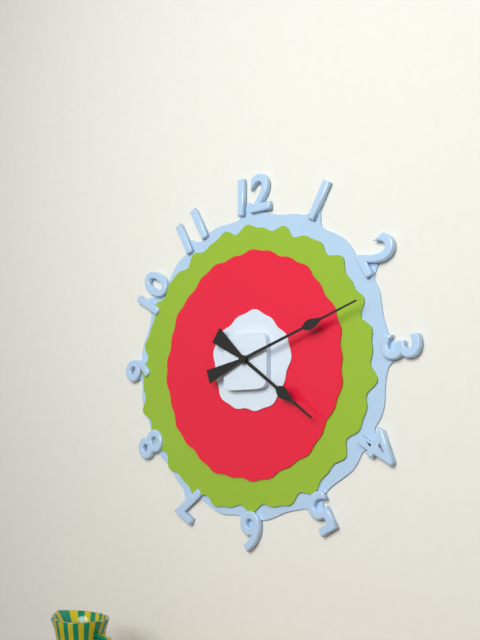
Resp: 4,12
